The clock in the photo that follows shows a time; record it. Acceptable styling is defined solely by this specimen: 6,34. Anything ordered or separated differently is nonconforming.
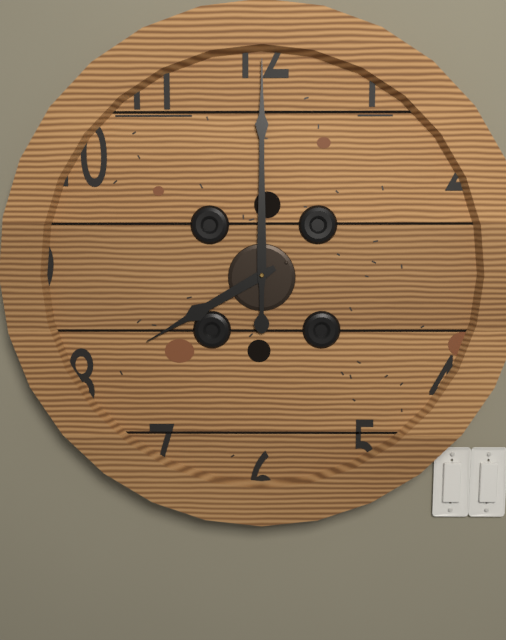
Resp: 8,00
